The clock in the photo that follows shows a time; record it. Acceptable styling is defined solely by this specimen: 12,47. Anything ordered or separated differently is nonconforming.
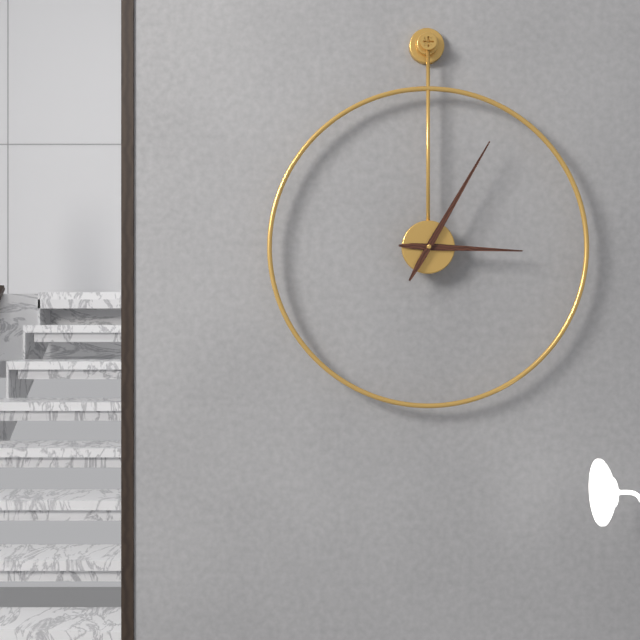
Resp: 3,05
